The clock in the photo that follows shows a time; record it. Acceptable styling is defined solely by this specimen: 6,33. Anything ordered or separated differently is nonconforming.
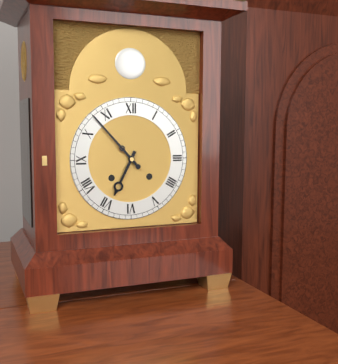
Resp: 6,53
